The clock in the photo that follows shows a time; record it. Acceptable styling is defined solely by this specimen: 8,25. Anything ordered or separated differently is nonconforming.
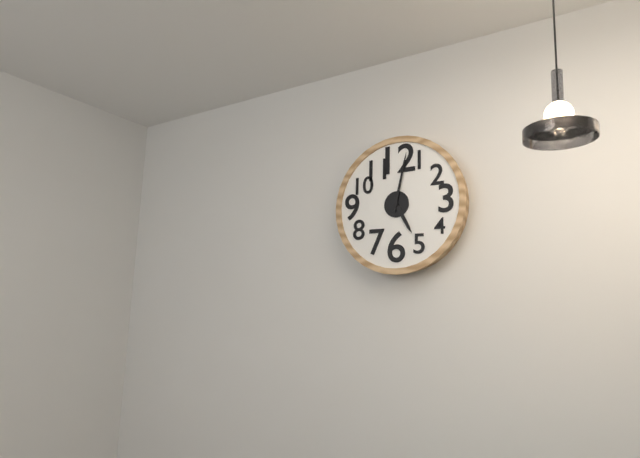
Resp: 5,02
